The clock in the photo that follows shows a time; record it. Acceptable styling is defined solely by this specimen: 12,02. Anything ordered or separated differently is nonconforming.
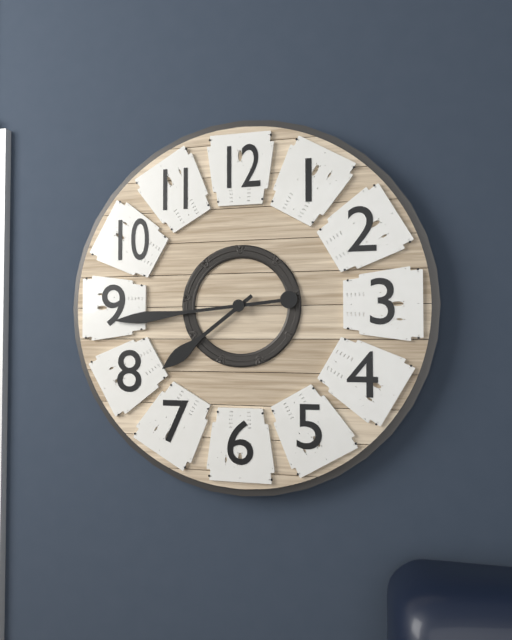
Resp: 7,44
